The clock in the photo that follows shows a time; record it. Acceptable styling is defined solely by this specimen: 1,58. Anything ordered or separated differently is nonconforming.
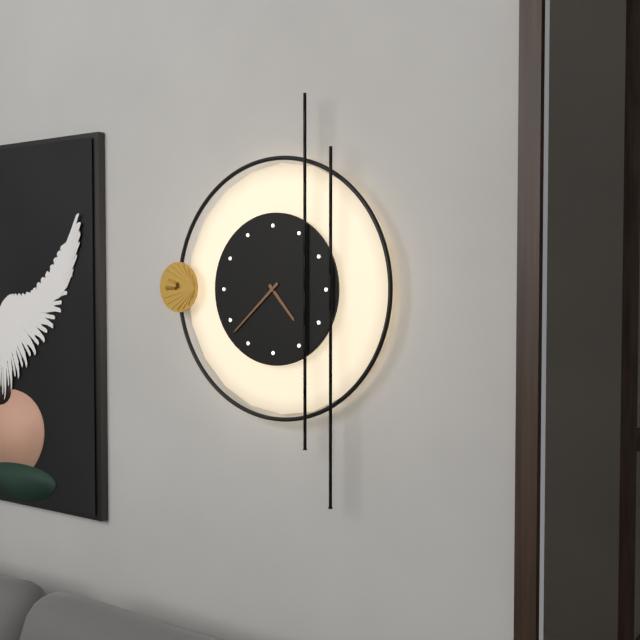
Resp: 4,38
